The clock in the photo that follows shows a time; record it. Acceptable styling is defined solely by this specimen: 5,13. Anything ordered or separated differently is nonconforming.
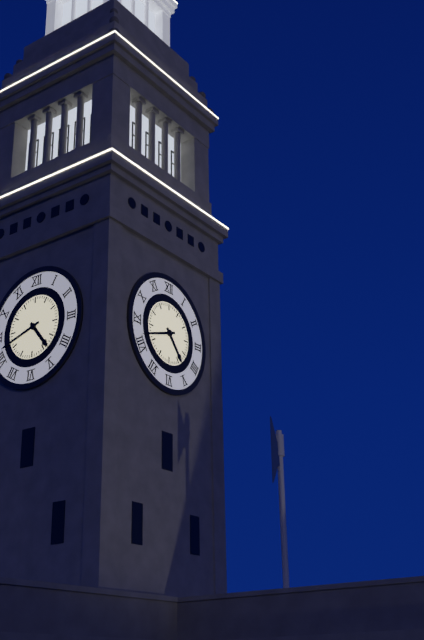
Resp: 4,42
